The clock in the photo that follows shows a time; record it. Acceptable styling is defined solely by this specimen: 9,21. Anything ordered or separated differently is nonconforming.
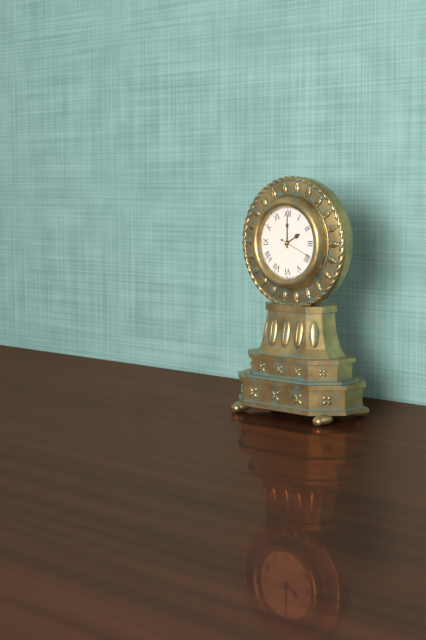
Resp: 2,00
